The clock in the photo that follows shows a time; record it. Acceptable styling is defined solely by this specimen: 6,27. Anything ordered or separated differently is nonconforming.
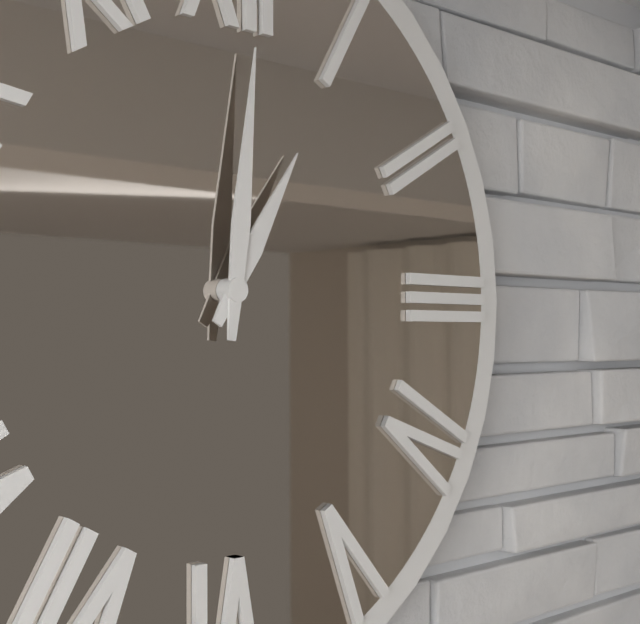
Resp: 1,01
